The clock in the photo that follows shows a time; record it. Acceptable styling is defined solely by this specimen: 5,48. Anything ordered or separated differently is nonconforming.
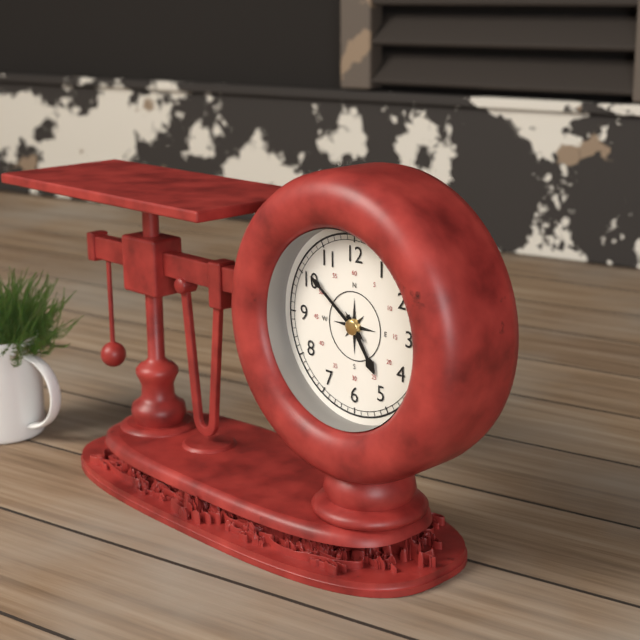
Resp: 4,51
